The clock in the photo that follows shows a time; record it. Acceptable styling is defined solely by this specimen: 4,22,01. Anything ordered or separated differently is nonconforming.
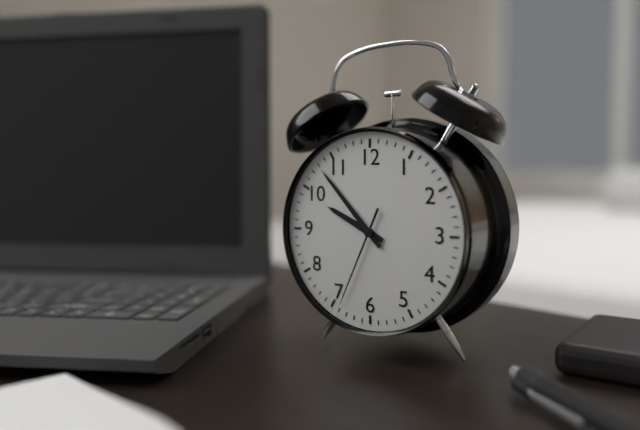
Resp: 9,53,34
